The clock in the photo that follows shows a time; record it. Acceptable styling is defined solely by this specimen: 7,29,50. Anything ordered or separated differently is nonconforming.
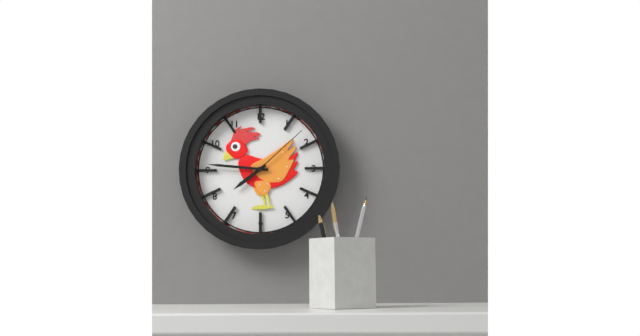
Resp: 7,46,08
